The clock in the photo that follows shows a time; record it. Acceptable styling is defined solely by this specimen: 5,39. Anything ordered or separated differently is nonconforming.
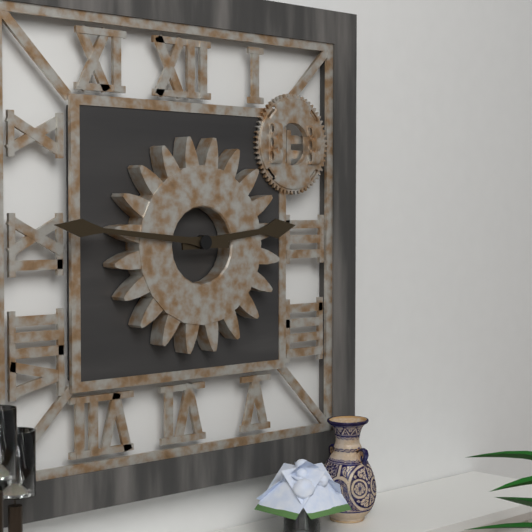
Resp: 2,46
